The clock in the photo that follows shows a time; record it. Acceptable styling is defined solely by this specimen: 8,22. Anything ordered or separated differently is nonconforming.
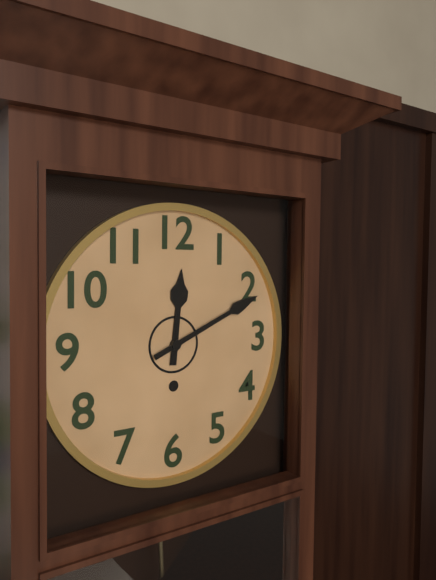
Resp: 12,11
